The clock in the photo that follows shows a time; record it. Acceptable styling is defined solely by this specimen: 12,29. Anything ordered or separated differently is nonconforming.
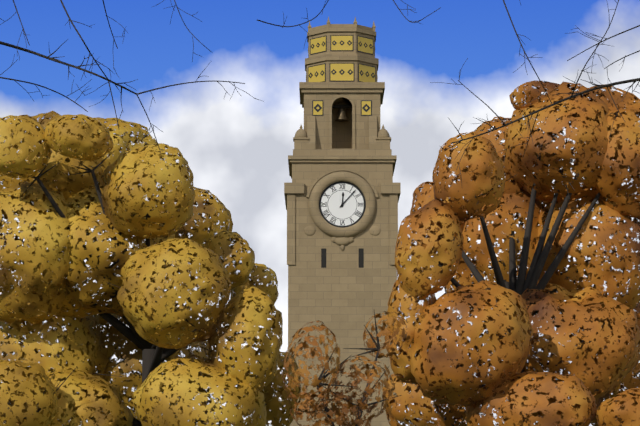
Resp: 12,07
